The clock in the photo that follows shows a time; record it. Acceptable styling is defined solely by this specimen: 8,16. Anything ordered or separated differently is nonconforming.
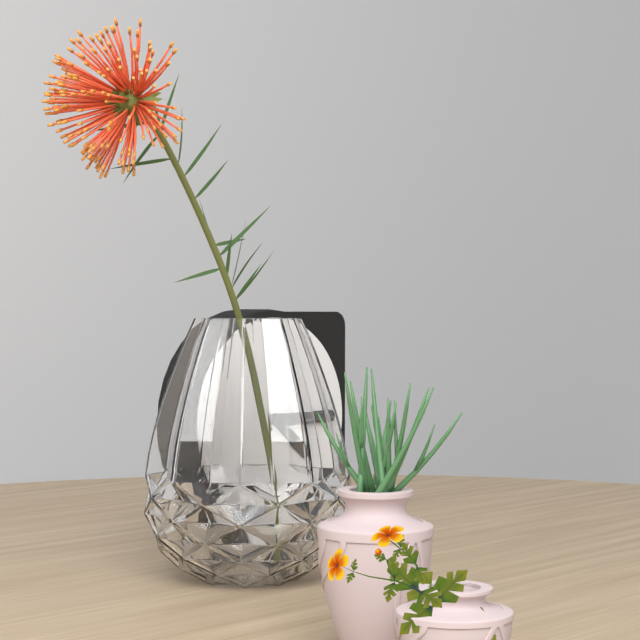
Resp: 4,15
